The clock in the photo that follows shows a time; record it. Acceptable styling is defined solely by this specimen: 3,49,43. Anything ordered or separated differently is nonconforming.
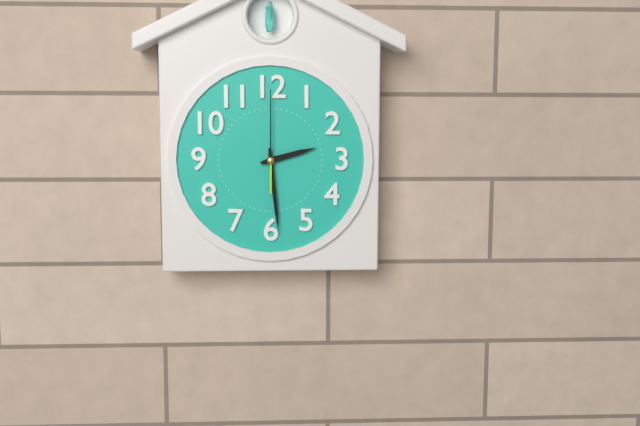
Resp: 2,29,00
